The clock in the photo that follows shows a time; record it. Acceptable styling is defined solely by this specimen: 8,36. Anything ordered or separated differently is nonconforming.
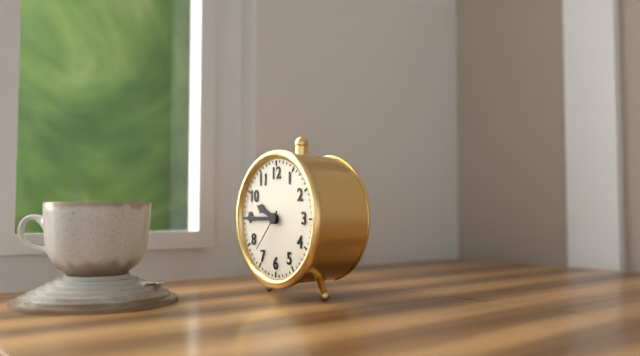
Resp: 9,45
